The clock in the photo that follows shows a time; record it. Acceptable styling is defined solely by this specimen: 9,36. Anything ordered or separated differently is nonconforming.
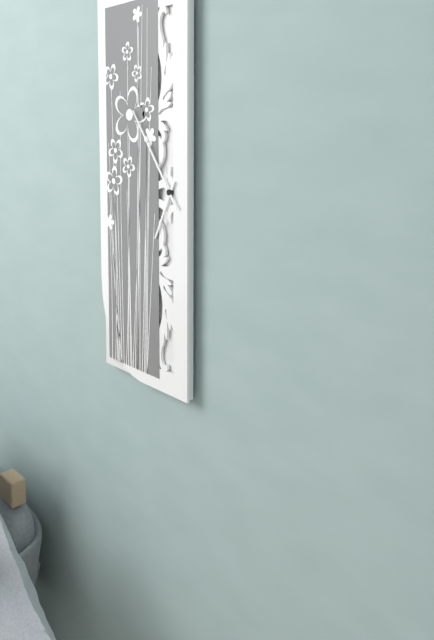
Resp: 6,54
